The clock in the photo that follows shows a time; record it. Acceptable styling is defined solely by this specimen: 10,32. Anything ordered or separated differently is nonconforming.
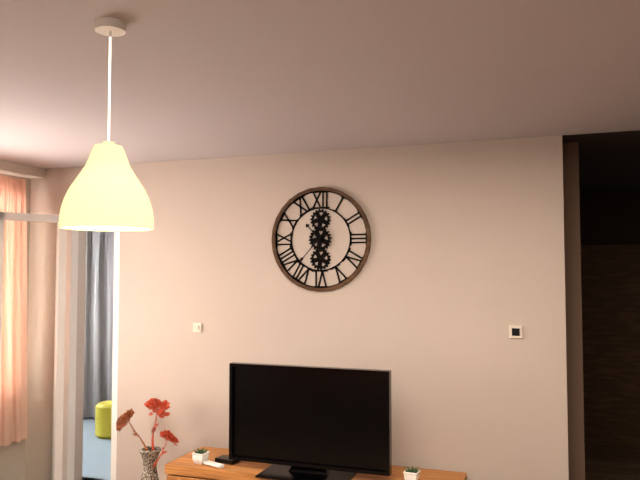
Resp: 10,37
